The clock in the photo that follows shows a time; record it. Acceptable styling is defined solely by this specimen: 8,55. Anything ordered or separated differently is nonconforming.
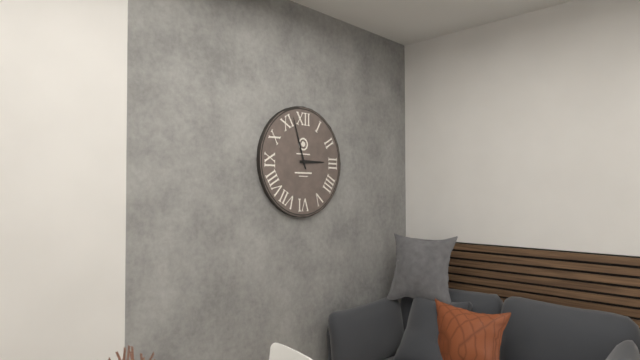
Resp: 2,57
